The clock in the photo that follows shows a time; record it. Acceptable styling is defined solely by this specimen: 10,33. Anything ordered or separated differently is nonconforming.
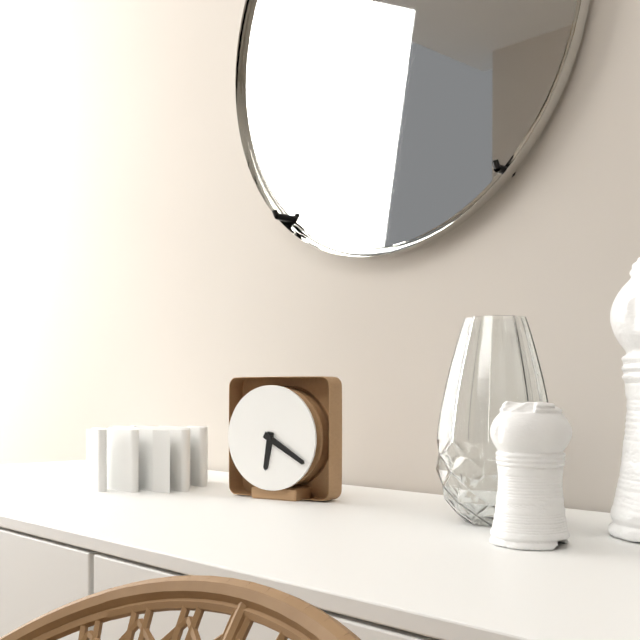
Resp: 6,20
